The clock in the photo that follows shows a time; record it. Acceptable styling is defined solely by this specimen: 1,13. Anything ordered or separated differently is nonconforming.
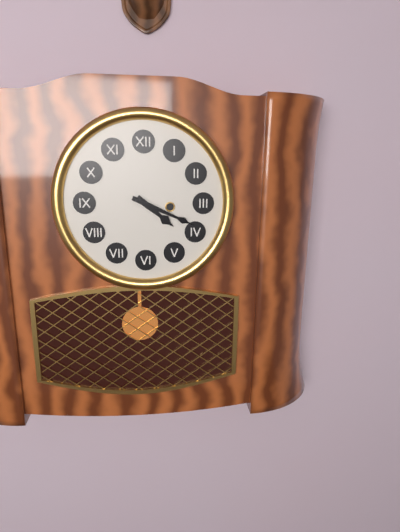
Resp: 4,19
